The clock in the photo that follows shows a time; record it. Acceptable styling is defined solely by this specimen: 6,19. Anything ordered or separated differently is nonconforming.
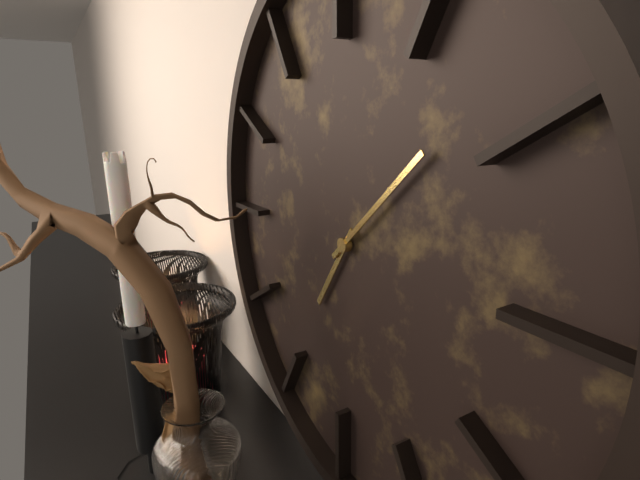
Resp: 7,08
